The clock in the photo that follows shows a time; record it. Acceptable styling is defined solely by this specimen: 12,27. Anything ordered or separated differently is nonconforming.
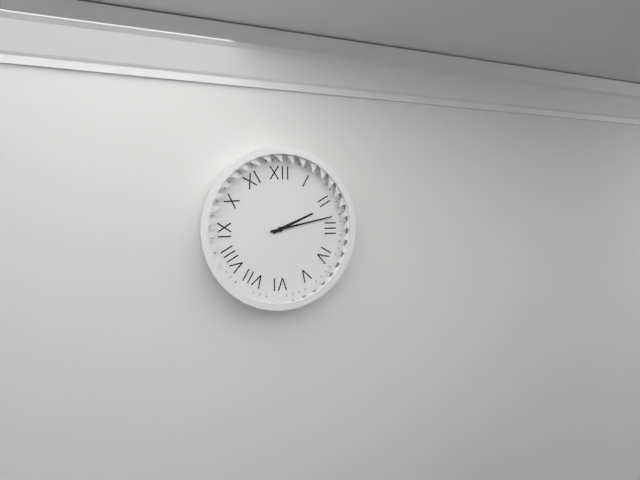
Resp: 2,13
